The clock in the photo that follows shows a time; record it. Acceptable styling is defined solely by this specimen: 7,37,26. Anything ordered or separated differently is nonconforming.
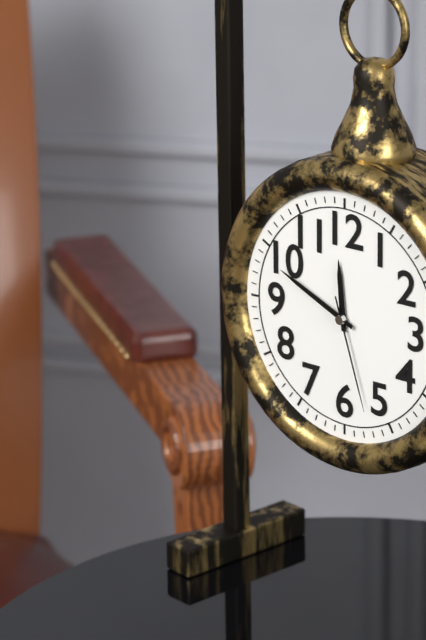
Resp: 11,49,27
